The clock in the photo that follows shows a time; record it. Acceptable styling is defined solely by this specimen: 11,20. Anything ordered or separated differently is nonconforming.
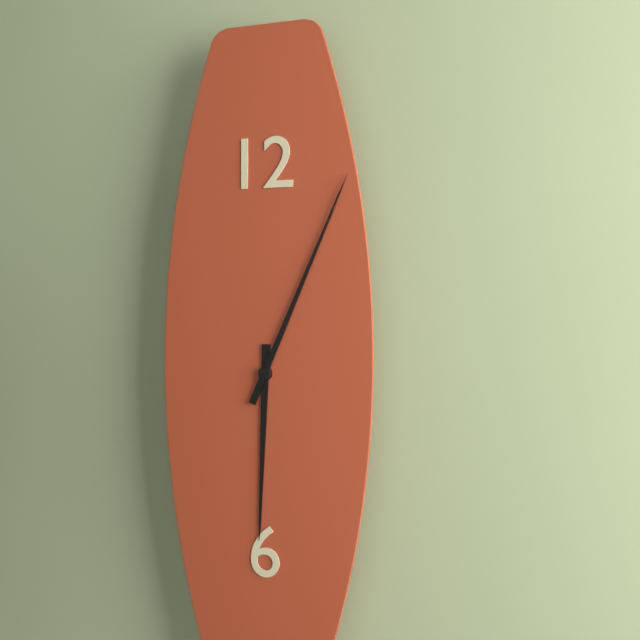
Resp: 6,04
